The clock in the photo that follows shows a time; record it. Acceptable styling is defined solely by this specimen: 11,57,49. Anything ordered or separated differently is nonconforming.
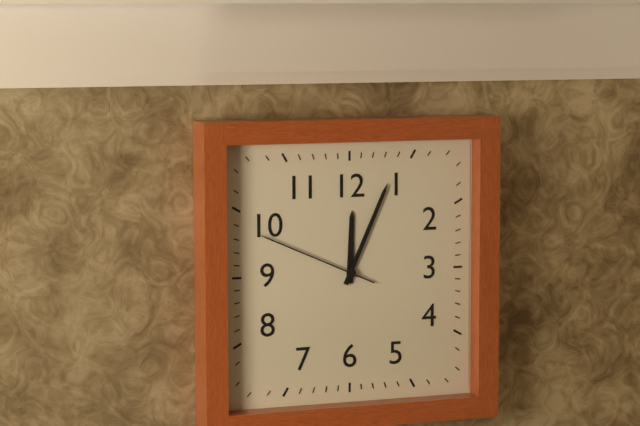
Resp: 12,04,49
